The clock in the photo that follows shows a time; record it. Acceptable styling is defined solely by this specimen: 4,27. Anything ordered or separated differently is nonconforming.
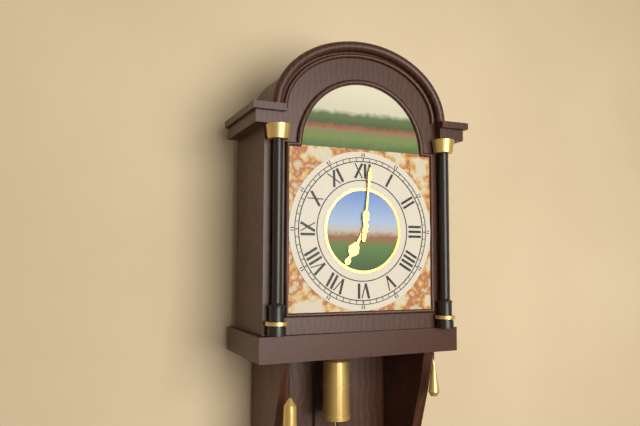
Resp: 7,01
